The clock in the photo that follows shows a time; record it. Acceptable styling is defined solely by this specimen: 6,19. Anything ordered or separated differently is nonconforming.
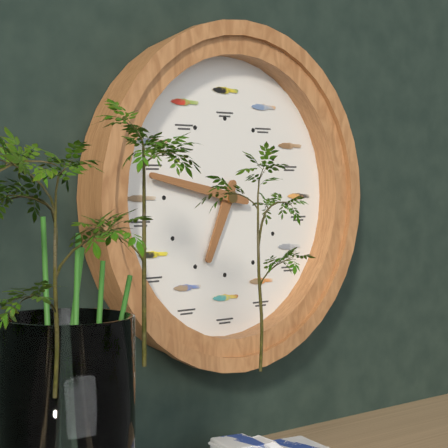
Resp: 6,47
